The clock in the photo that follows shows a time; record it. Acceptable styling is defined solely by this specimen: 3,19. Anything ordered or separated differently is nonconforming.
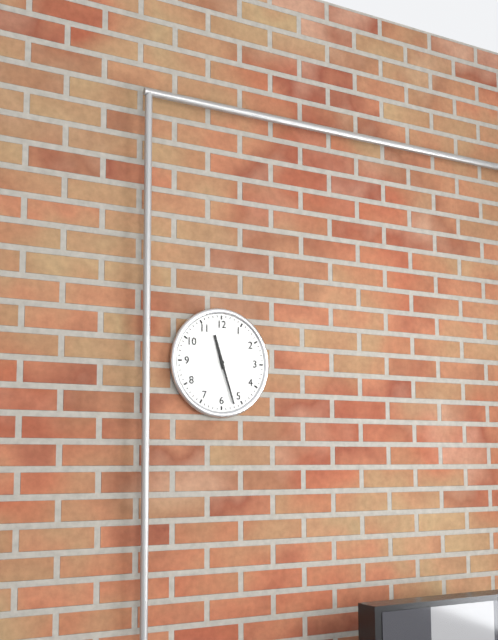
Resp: 11,27
